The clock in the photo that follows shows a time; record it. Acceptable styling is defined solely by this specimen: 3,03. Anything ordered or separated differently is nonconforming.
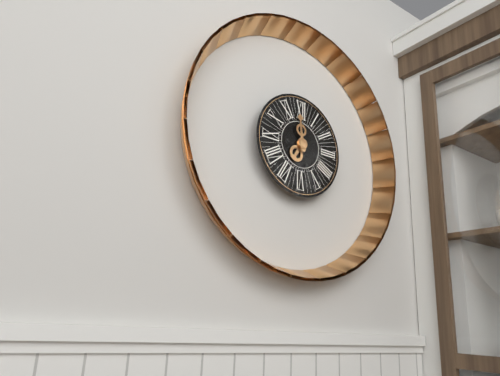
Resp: 6,59
